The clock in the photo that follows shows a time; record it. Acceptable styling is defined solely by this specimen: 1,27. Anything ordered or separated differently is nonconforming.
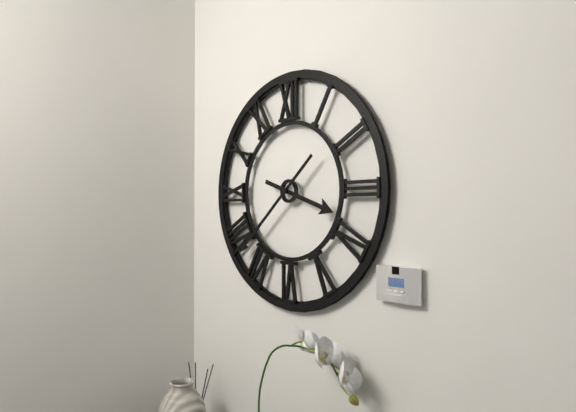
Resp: 3,38
